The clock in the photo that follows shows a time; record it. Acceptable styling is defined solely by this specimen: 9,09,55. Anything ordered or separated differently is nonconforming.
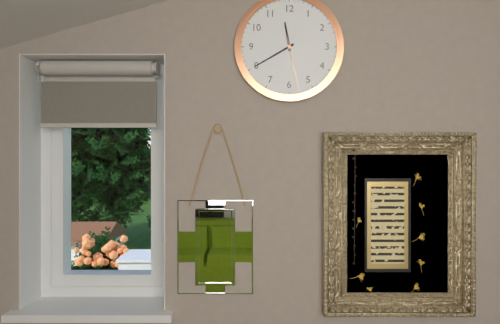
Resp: 11,40,28
